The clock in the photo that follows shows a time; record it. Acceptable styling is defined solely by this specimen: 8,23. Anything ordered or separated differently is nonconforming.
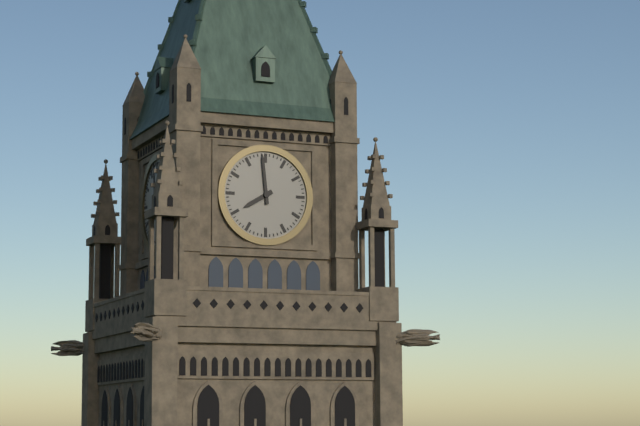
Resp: 7,59
